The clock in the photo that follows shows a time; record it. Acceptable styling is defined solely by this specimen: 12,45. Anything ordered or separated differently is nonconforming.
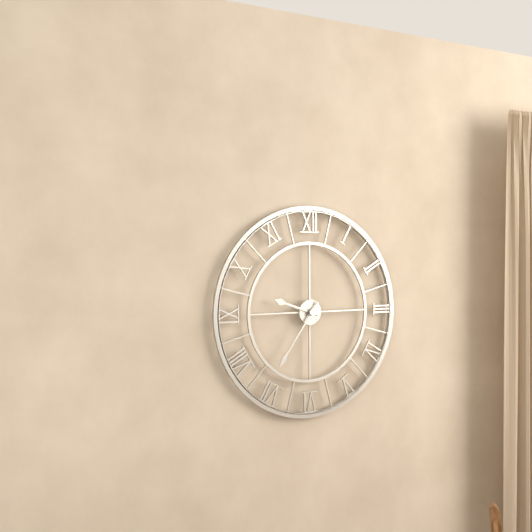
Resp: 9,36
